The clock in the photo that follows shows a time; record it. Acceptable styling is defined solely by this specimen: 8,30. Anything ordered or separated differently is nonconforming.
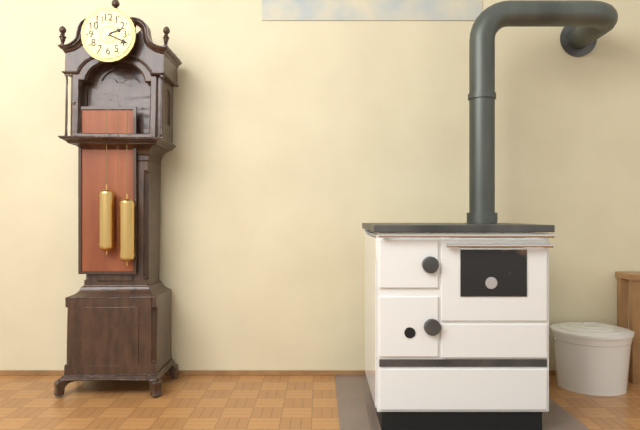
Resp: 2,19
